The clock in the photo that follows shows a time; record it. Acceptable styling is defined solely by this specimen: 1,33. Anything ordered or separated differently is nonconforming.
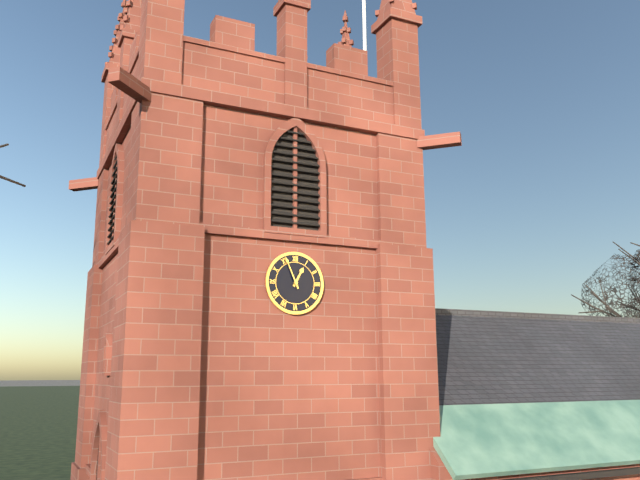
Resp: 12,56
